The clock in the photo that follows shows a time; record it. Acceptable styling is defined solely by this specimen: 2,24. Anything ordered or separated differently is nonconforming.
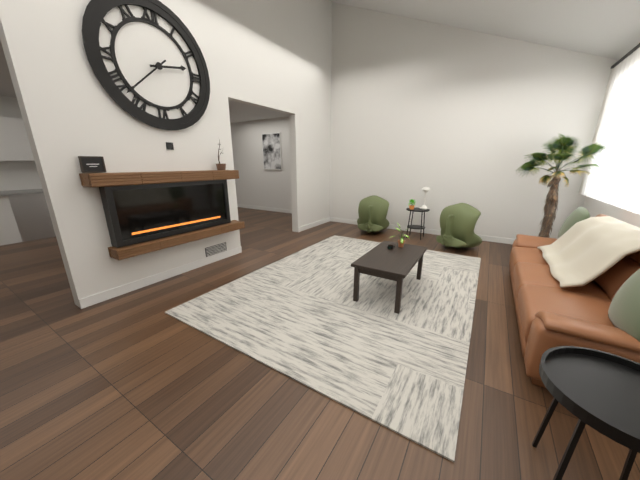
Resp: 2,38
